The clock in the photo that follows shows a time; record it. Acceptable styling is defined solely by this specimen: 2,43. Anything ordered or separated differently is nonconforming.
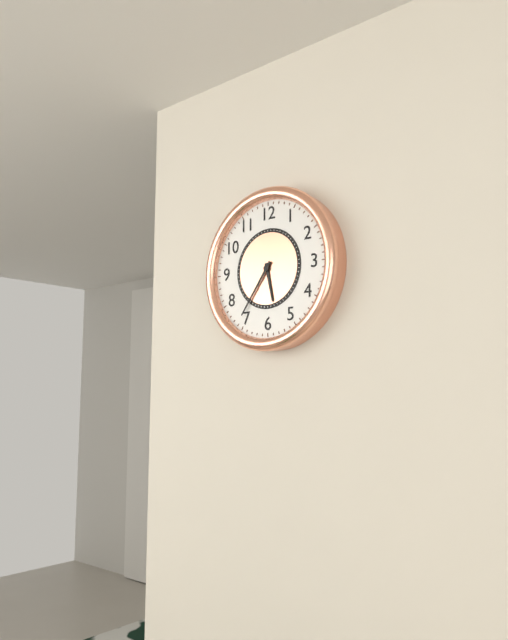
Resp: 5,36
